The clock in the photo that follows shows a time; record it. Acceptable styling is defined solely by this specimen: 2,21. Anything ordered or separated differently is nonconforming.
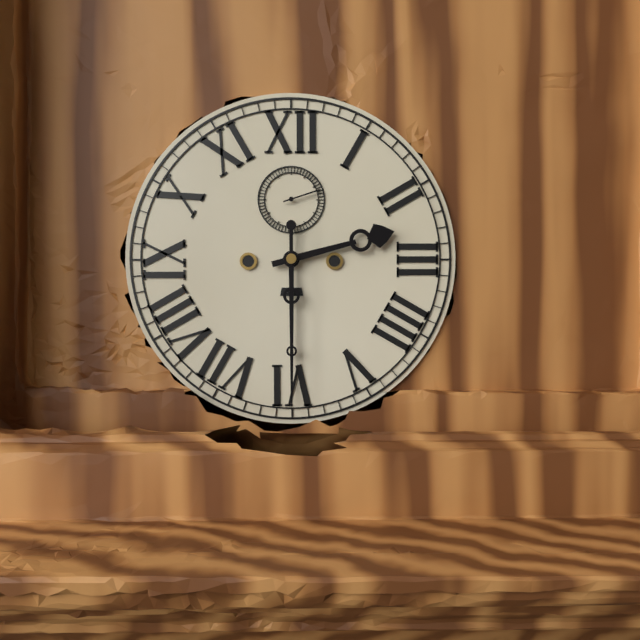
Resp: 2,30
